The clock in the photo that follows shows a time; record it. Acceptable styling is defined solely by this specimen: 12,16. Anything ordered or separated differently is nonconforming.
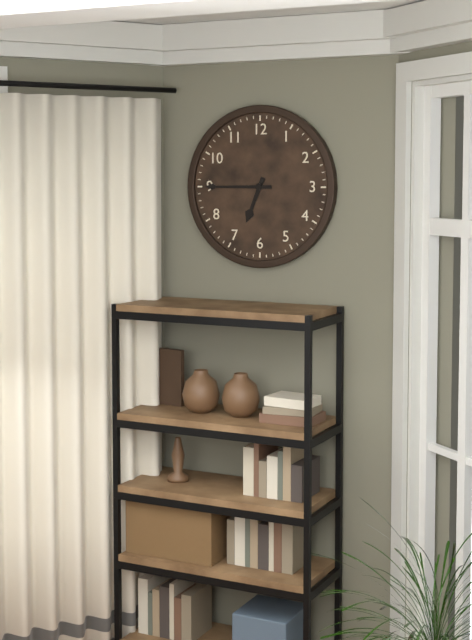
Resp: 6,45
